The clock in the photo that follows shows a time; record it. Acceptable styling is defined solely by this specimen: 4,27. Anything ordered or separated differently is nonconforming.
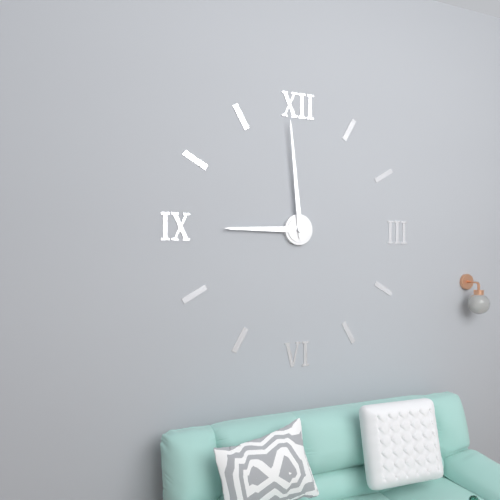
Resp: 8,59
